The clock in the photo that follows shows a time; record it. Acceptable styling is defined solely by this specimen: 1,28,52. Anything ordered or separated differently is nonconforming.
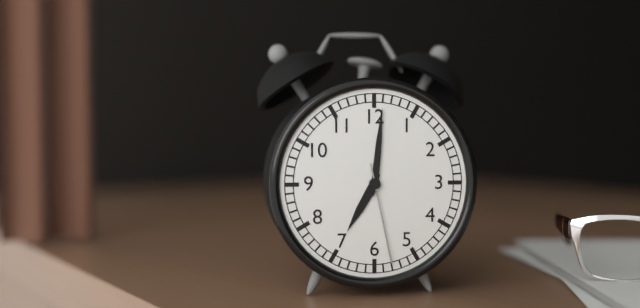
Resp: 7,01,28
